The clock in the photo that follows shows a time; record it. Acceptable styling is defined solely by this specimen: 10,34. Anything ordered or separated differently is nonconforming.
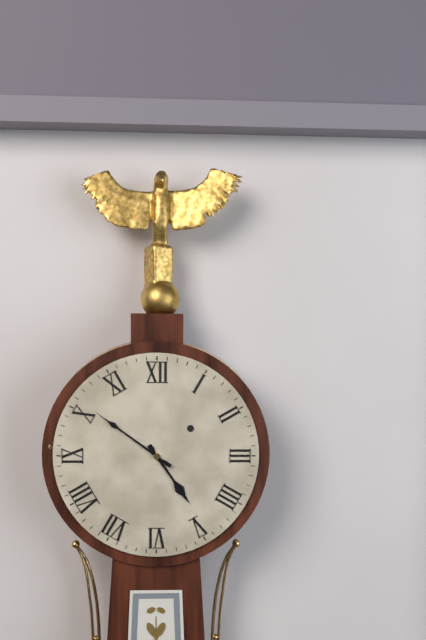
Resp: 4,51
